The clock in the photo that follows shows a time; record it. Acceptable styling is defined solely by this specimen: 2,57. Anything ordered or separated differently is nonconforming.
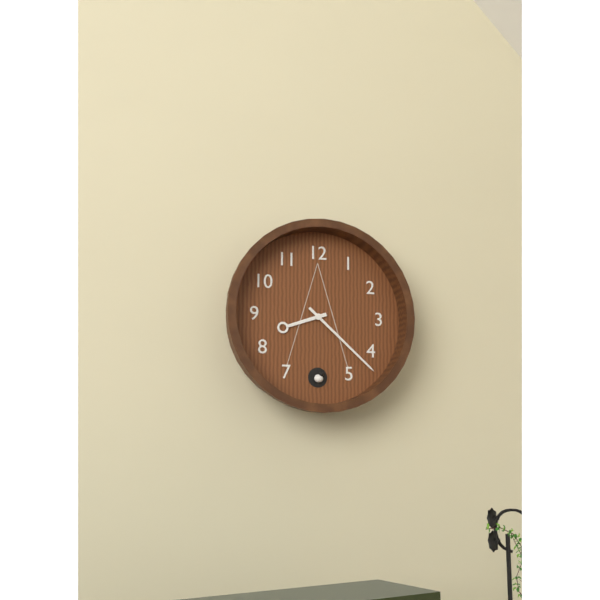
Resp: 8,22
